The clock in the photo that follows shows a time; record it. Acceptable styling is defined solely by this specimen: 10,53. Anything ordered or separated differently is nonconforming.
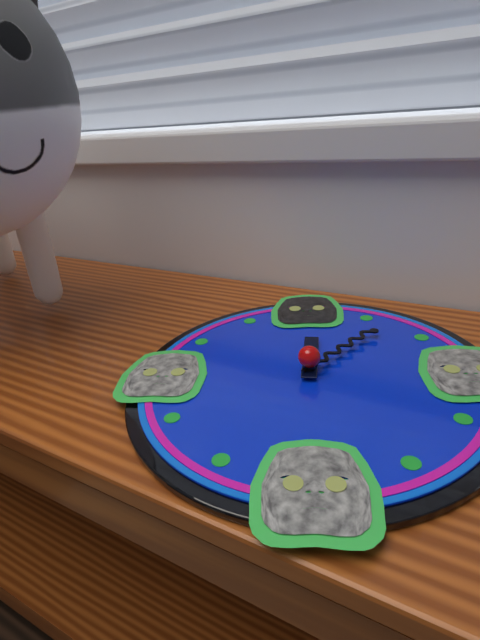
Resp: 12,07
